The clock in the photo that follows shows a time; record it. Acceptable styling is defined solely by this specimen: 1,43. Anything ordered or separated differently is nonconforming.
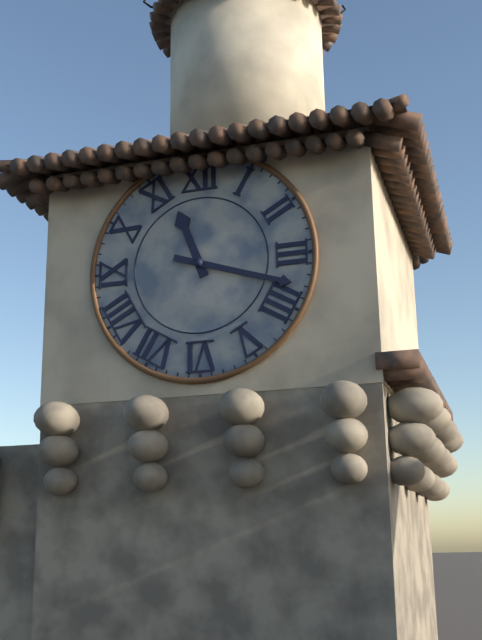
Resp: 11,18
